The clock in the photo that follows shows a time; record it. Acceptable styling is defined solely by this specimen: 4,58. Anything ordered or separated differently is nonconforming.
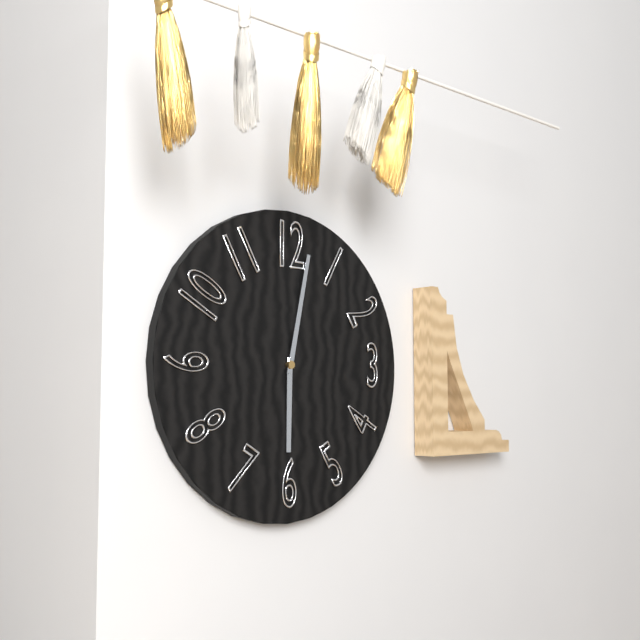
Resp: 6,02
